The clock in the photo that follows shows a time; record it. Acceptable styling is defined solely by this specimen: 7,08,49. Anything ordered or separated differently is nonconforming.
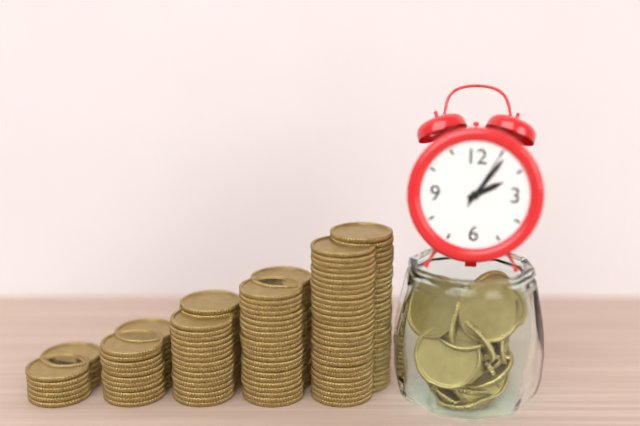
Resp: 2,06,05
